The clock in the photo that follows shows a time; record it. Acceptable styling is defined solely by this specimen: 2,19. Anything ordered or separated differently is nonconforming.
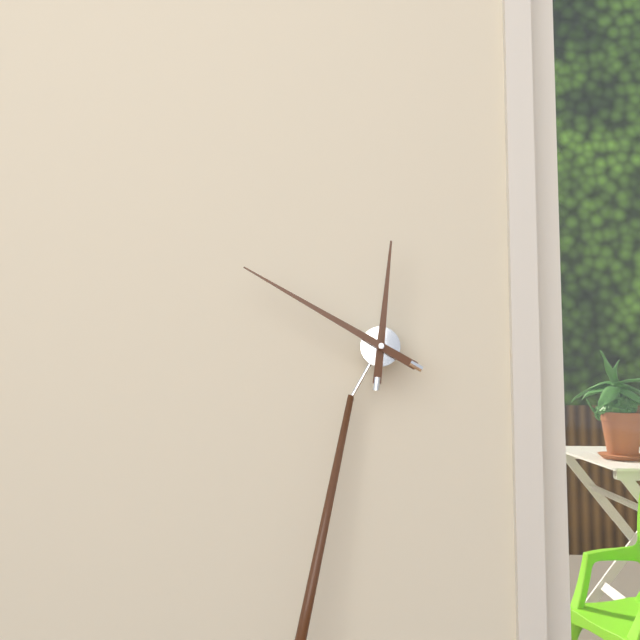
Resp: 11,48
